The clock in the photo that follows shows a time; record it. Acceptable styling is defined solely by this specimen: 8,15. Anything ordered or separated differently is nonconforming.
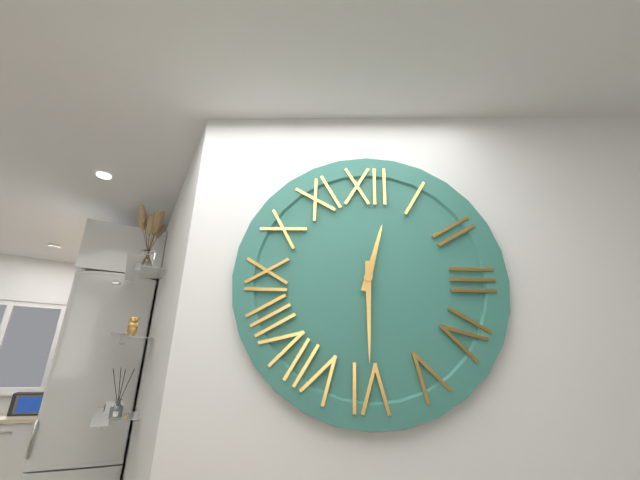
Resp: 12,30
